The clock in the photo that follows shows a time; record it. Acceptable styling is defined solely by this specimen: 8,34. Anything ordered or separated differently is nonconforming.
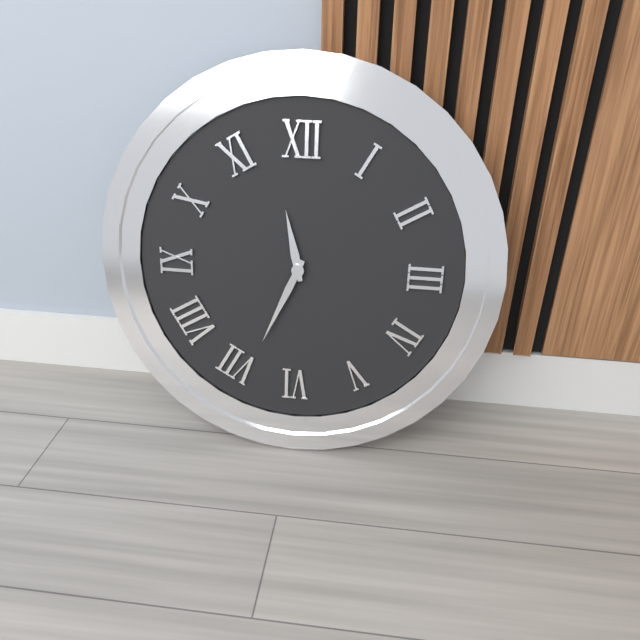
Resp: 11,34
